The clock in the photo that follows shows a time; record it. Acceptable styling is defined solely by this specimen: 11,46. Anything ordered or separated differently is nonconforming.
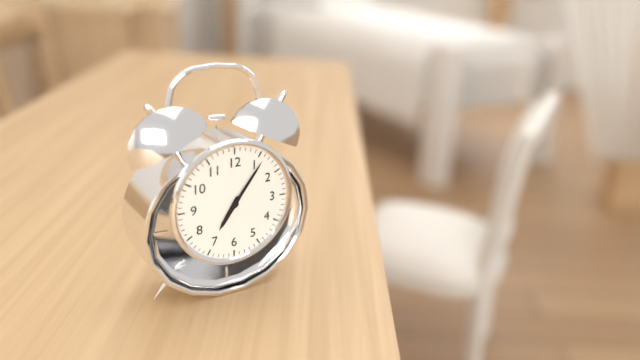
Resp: 7,06
